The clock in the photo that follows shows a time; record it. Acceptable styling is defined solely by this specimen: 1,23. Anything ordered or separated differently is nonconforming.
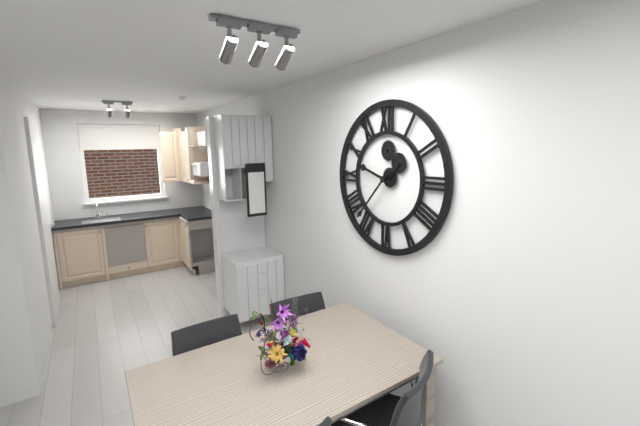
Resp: 9,37
